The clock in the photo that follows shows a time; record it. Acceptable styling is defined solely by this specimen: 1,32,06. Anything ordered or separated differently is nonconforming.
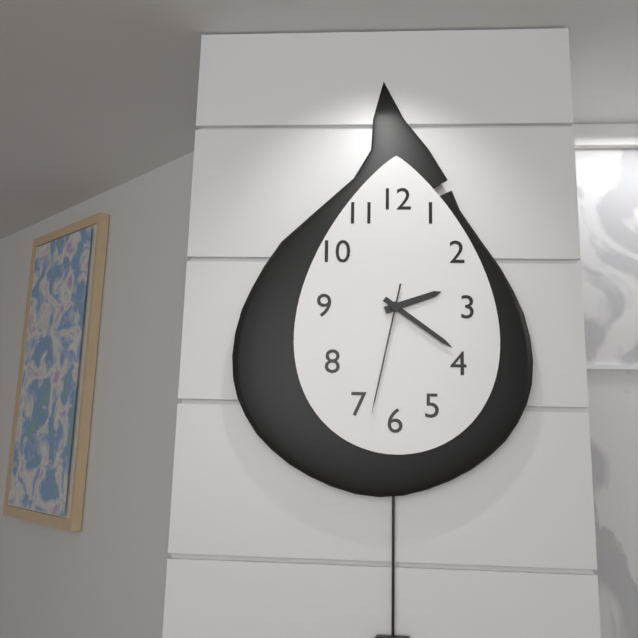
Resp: 2,21,32
